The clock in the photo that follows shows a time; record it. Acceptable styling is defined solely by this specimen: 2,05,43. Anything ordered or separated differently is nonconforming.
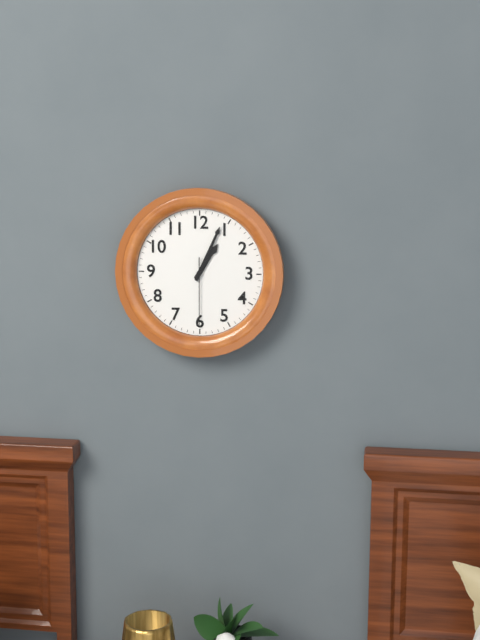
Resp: 1,04,30
